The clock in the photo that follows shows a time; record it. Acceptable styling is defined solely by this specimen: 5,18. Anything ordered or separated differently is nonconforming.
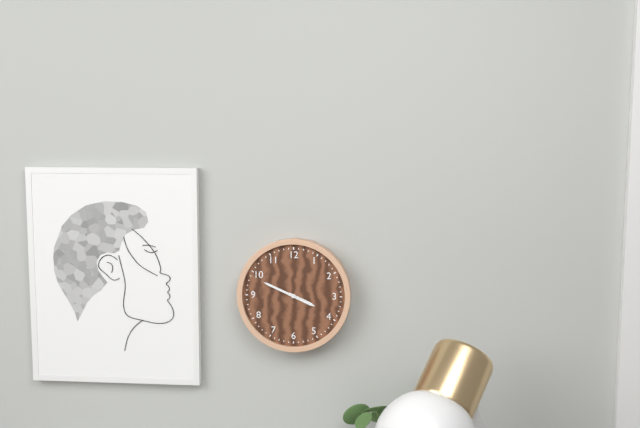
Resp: 3,49
